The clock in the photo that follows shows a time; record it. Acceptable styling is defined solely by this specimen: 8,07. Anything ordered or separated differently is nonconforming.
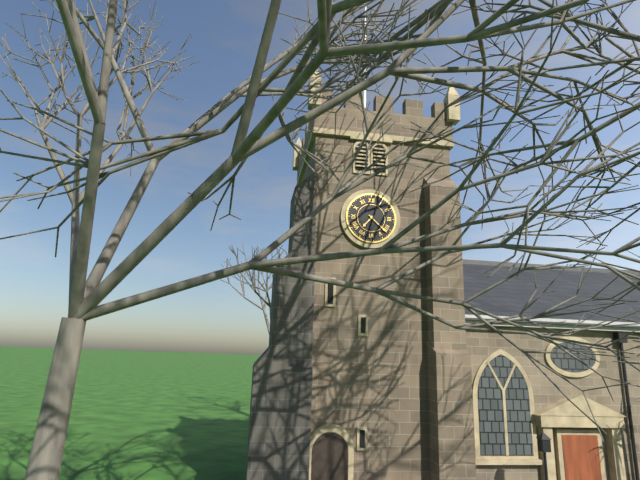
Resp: 7,22
